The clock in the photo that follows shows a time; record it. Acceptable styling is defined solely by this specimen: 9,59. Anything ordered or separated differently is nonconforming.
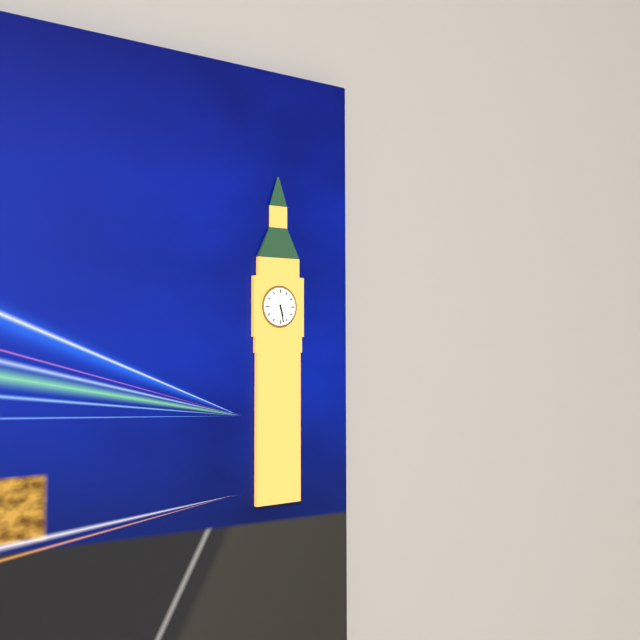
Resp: 5,28
